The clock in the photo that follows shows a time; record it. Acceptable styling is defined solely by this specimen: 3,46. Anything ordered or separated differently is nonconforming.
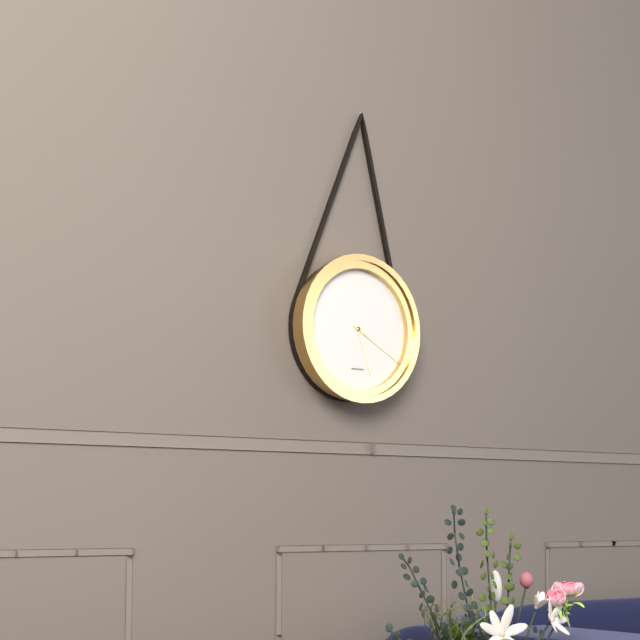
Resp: 5,20
